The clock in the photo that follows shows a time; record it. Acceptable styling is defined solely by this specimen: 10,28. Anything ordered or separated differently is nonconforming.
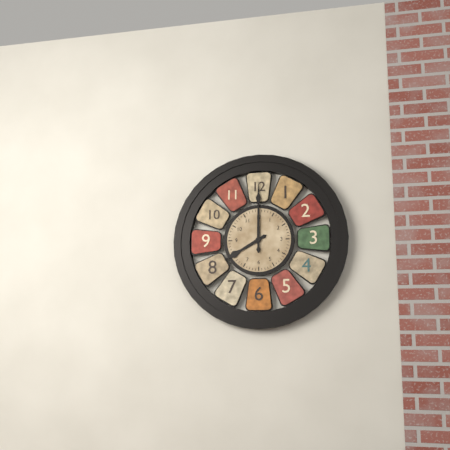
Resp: 8,00
